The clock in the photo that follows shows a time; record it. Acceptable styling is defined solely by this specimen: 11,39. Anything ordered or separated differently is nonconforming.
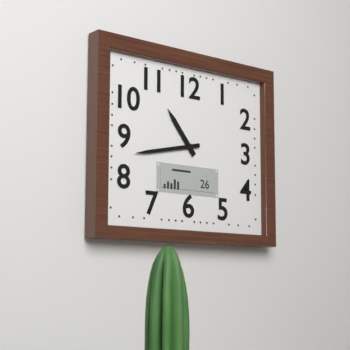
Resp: 10,43
